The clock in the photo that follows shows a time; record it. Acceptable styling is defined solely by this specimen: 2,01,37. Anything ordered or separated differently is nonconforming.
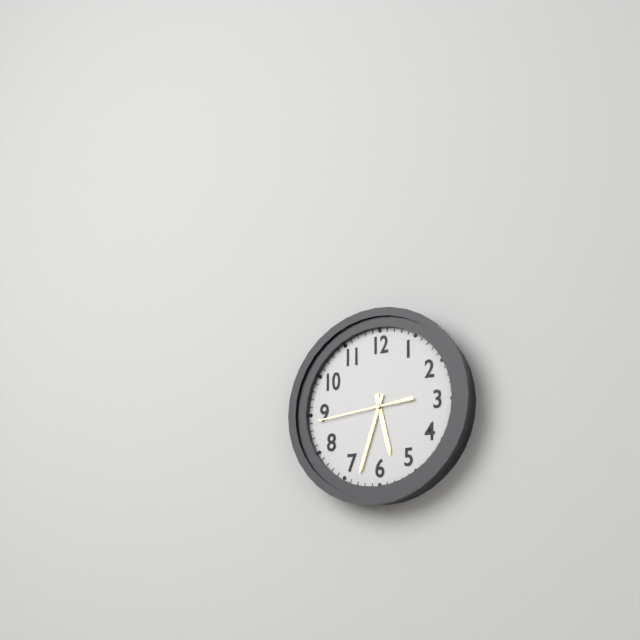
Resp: 5,33,44
